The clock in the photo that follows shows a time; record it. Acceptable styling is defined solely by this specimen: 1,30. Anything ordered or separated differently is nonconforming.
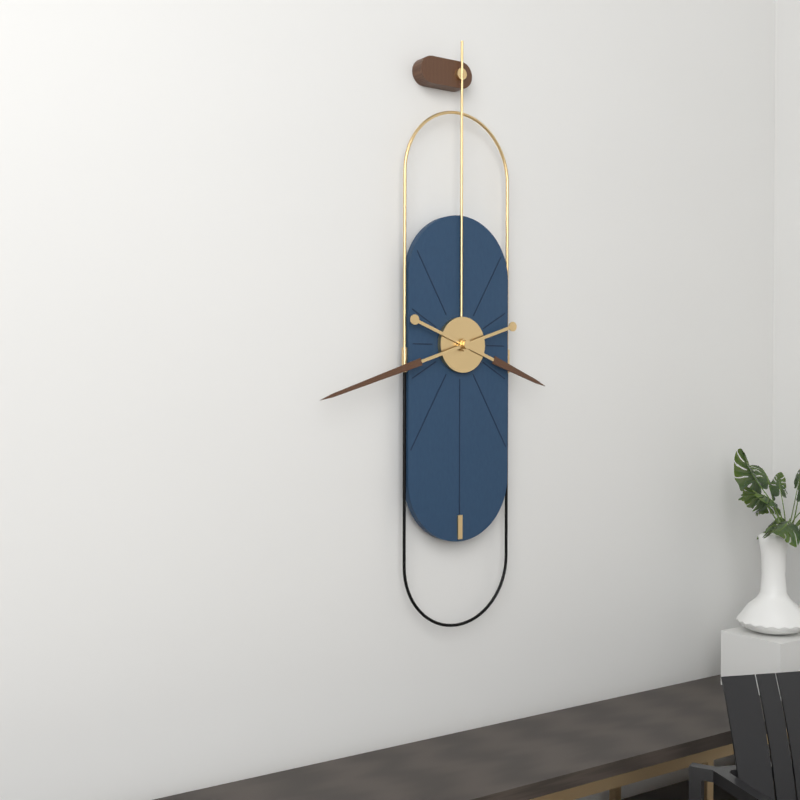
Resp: 3,42
